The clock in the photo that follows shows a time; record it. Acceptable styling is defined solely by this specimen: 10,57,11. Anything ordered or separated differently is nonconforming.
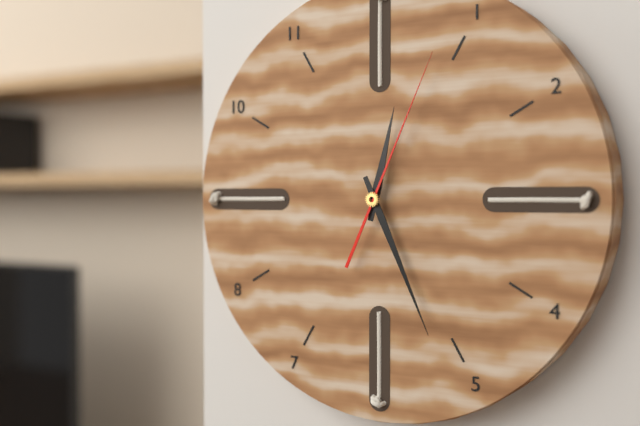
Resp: 12,26,04
